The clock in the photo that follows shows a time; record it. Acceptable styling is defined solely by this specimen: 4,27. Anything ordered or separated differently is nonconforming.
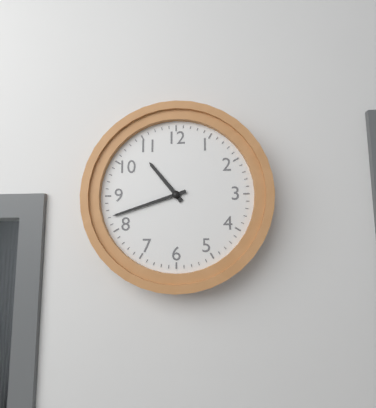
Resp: 10,42
